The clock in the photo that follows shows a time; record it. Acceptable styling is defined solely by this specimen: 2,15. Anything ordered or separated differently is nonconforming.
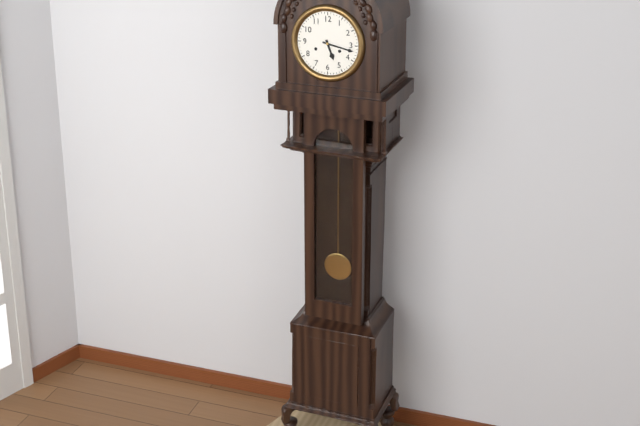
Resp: 5,17
